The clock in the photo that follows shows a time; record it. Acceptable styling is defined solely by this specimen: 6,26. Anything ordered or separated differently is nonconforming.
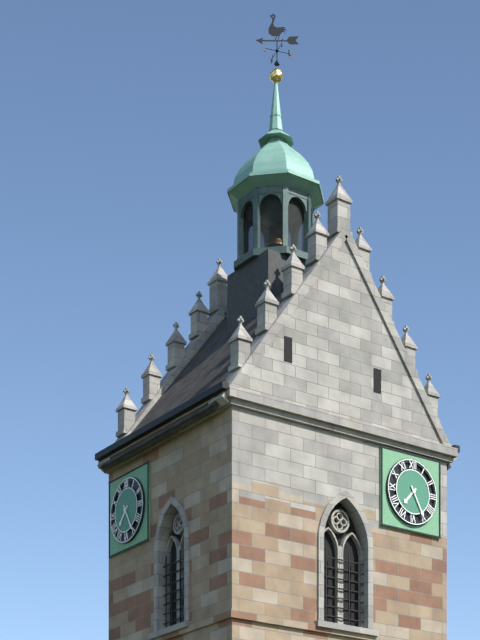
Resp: 7,25
